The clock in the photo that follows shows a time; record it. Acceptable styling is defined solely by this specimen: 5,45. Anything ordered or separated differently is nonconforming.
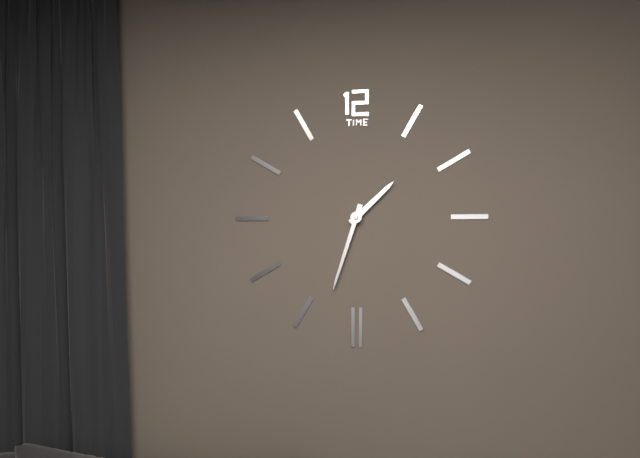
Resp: 1,33
